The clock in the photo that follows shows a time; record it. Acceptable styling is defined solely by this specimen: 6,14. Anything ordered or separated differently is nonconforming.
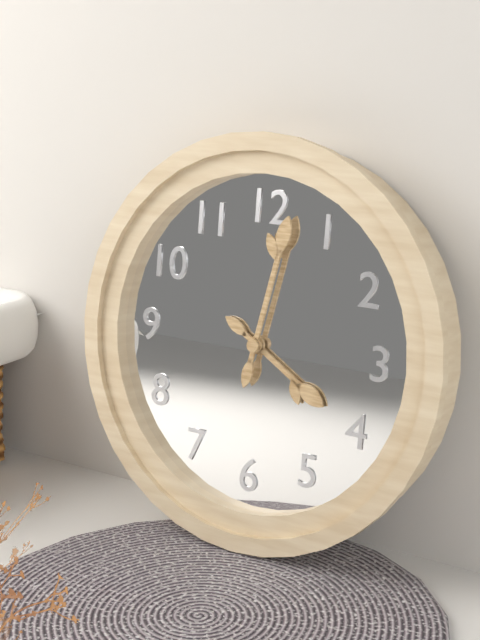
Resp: 4,02
